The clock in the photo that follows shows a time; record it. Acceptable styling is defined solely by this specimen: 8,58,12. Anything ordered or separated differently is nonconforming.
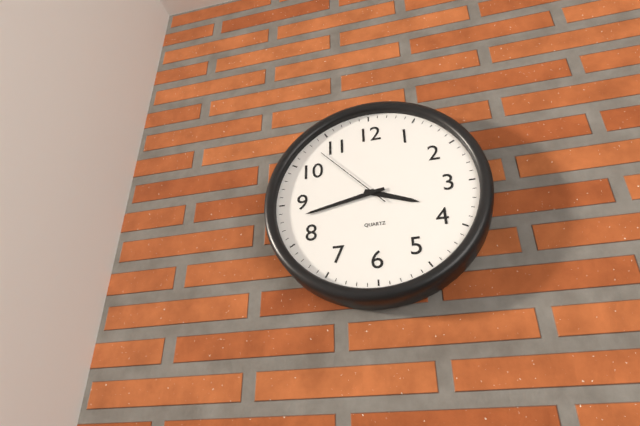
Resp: 3,43,53
